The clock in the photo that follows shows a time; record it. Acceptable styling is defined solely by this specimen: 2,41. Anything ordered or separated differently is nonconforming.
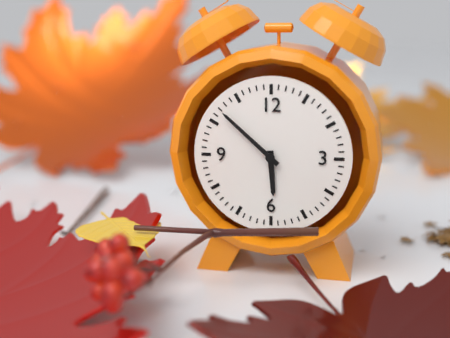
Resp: 5,52
